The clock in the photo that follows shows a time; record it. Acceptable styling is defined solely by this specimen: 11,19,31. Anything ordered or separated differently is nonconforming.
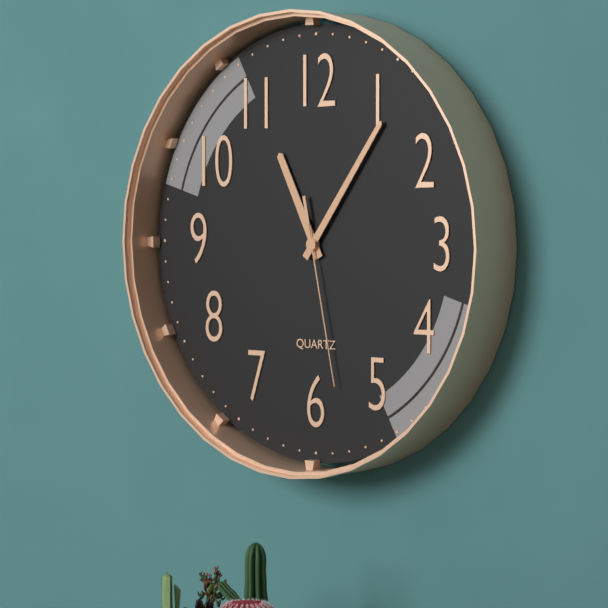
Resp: 11,06,28
